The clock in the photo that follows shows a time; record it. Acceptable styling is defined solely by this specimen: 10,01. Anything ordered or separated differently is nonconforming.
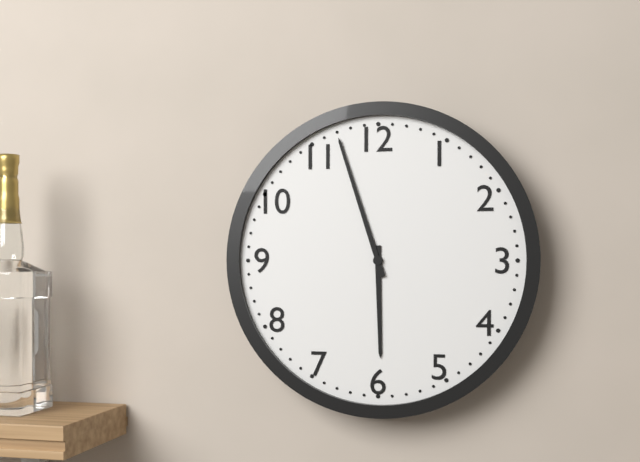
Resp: 5,57
